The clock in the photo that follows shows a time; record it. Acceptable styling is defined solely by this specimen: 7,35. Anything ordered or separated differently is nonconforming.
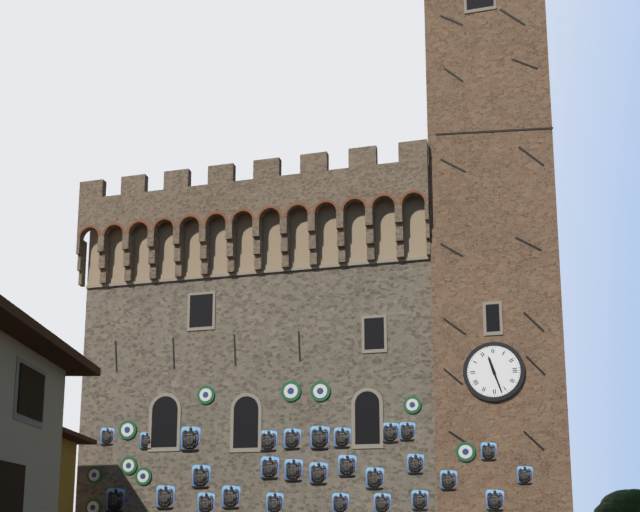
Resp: 11,27
